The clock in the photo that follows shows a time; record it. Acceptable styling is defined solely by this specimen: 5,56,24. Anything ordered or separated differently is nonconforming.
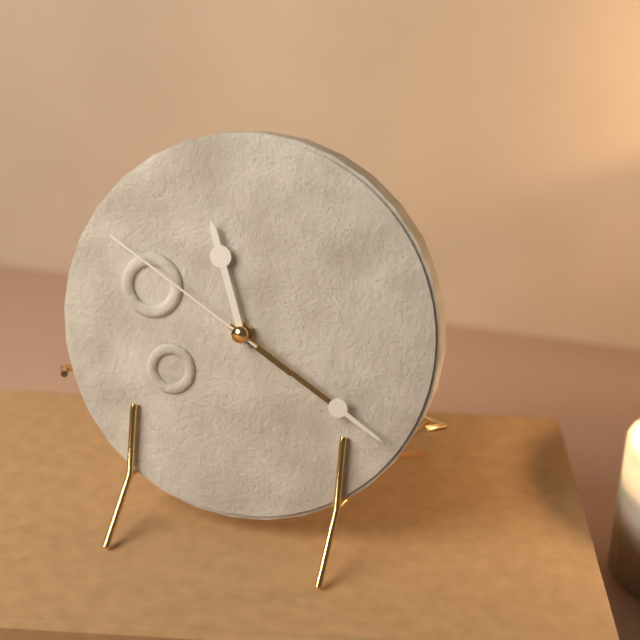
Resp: 11,20,50
